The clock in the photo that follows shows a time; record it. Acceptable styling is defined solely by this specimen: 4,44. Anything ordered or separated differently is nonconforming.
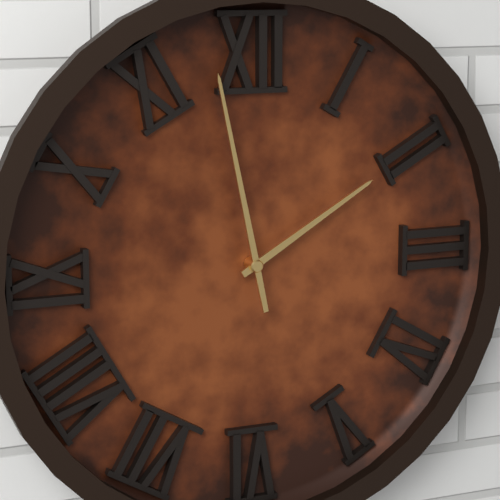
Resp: 1,58
